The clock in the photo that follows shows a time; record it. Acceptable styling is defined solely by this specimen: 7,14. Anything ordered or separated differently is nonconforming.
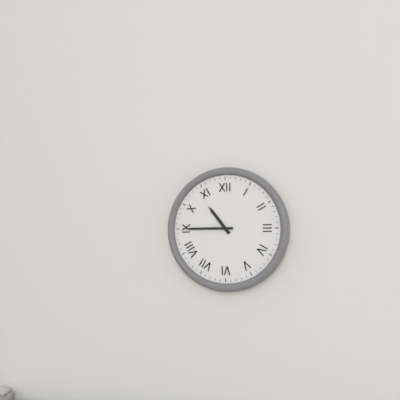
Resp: 10,45
